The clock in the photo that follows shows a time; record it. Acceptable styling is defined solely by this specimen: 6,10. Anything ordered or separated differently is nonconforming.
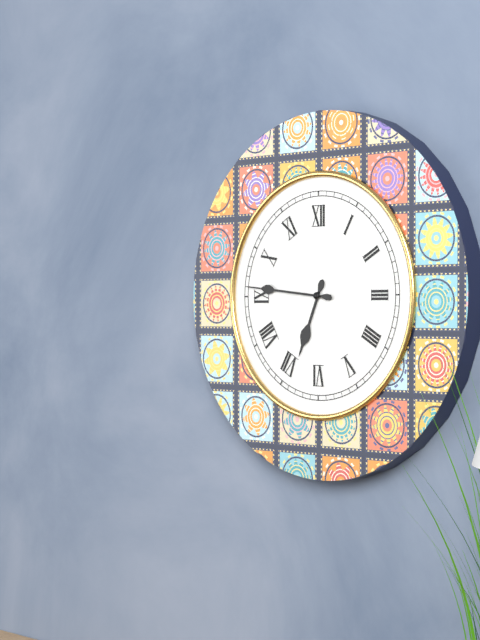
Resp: 6,46
